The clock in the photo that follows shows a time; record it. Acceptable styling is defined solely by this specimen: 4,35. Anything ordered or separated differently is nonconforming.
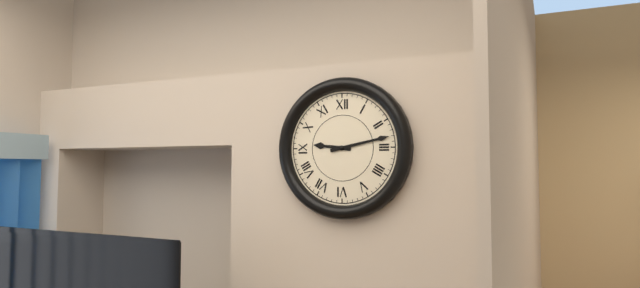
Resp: 9,13
